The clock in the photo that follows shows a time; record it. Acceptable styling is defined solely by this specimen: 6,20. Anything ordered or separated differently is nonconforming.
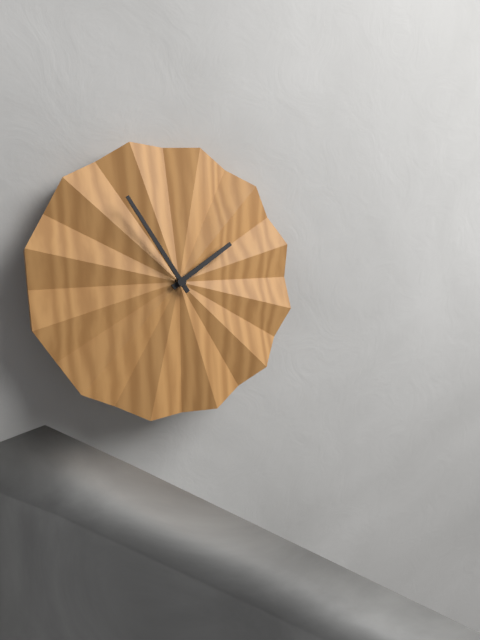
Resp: 1,55
